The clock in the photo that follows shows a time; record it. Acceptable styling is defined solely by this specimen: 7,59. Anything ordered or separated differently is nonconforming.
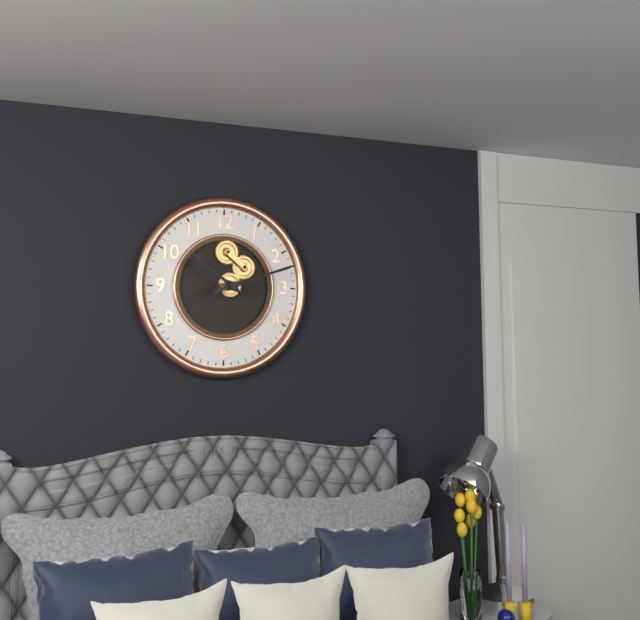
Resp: 10,12
